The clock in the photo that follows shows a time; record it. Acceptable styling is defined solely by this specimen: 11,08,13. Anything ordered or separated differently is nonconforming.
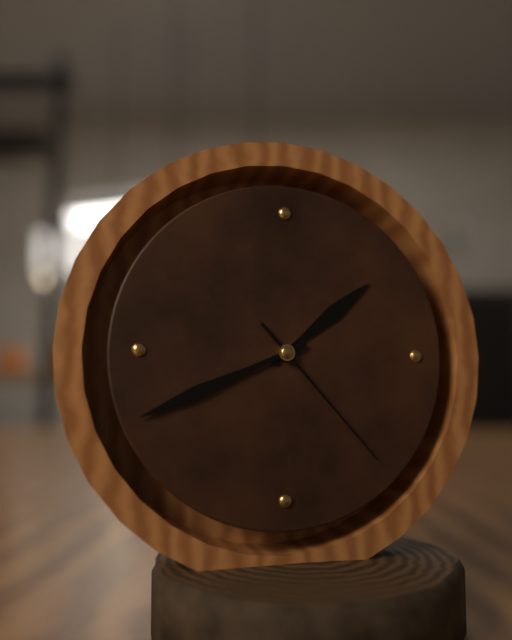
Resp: 1,41,23
